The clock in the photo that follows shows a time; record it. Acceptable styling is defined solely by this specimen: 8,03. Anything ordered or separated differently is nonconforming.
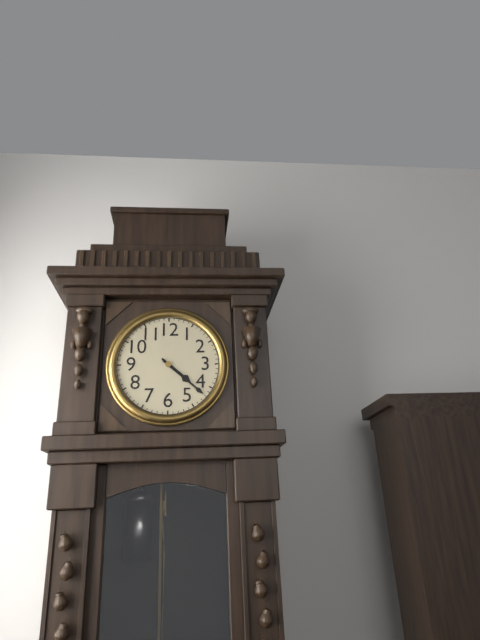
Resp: 4,22
